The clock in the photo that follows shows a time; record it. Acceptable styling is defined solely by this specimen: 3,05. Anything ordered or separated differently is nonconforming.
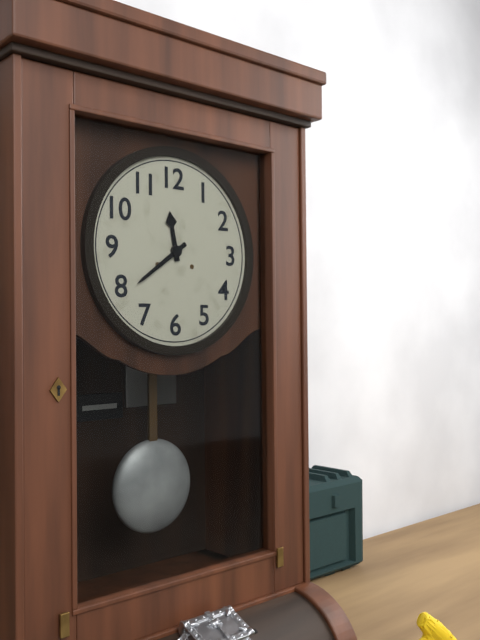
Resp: 11,39
